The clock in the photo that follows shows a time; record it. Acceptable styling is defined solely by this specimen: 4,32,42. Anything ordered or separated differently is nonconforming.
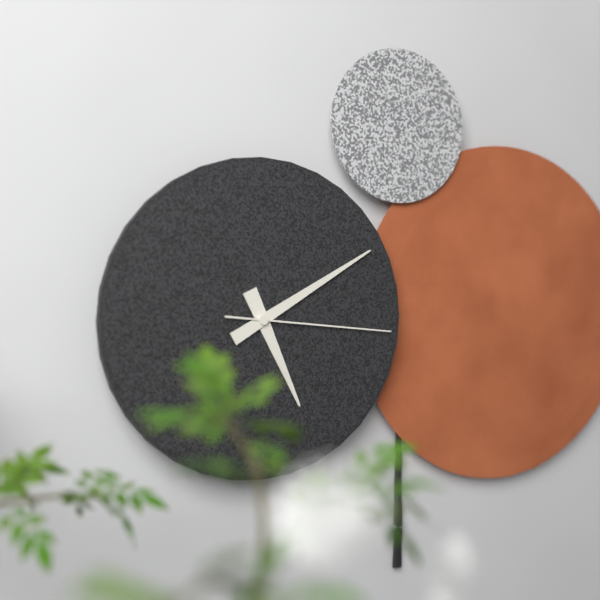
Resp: 5,10,16
